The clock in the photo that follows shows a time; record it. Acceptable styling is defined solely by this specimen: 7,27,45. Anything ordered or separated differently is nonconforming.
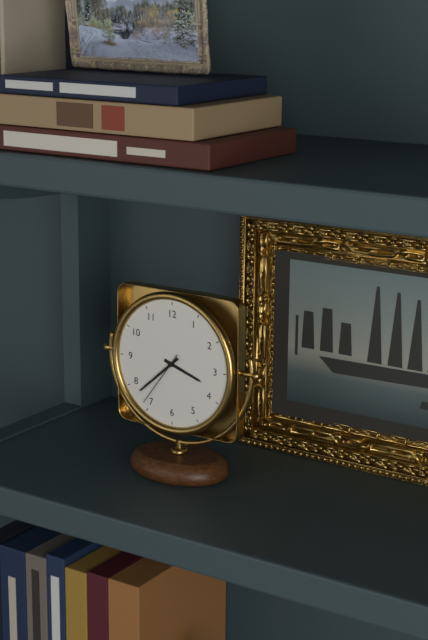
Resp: 3,38,36
